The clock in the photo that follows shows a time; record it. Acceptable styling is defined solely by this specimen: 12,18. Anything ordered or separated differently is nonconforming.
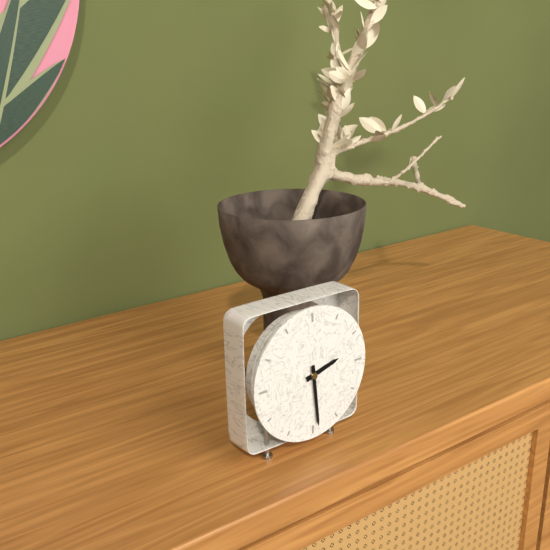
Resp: 2,29
